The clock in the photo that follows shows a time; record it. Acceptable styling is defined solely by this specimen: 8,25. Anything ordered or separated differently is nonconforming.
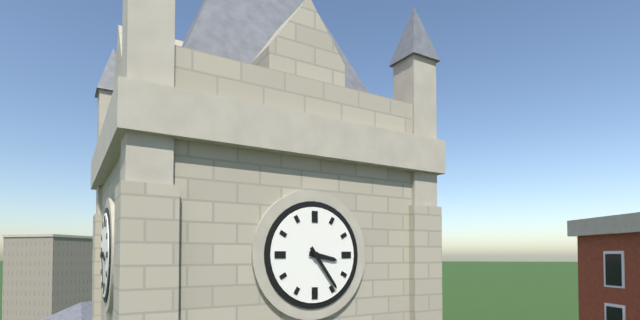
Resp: 3,24
